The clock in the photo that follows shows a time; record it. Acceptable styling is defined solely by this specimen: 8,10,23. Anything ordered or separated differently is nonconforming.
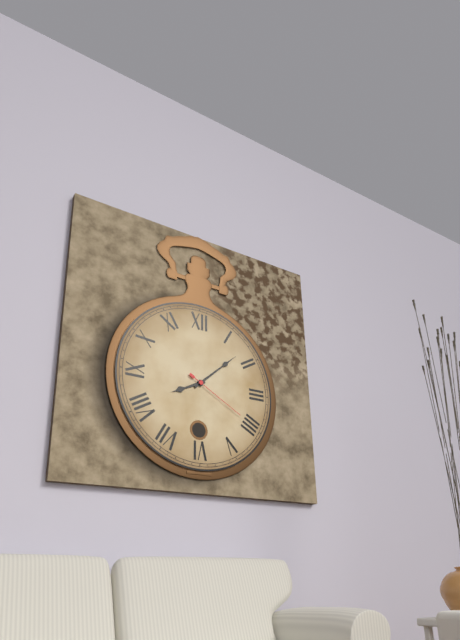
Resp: 8,08,20
